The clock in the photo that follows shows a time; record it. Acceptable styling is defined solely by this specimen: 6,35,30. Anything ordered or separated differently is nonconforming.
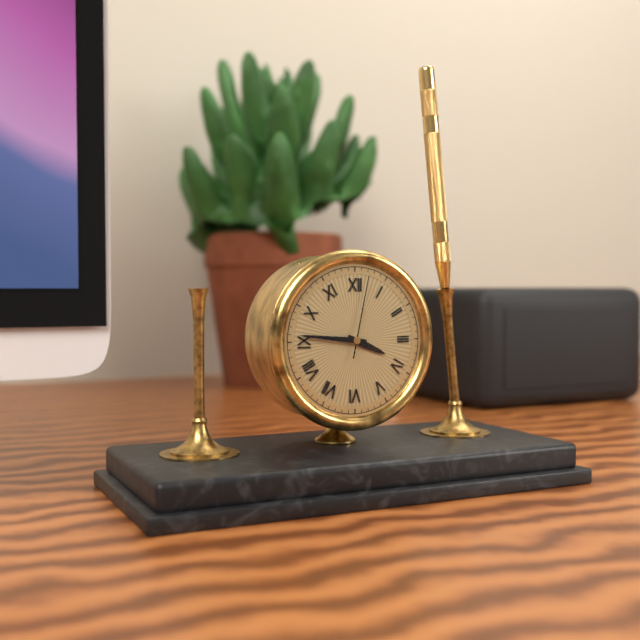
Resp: 3,46,02
